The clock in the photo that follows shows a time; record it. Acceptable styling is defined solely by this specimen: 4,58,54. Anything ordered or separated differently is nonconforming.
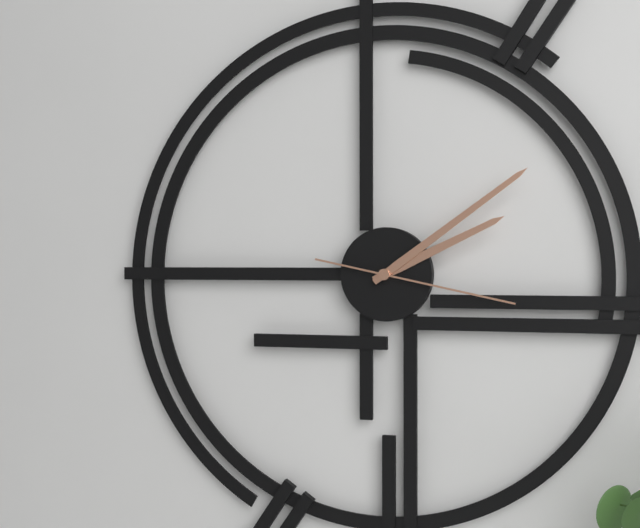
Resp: 2,09,17
